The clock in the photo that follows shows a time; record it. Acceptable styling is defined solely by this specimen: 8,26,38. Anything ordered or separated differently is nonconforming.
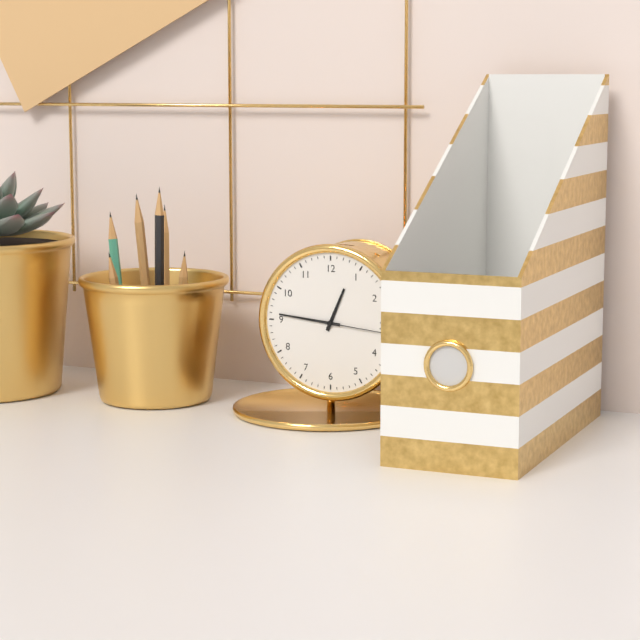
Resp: 12,46,16
